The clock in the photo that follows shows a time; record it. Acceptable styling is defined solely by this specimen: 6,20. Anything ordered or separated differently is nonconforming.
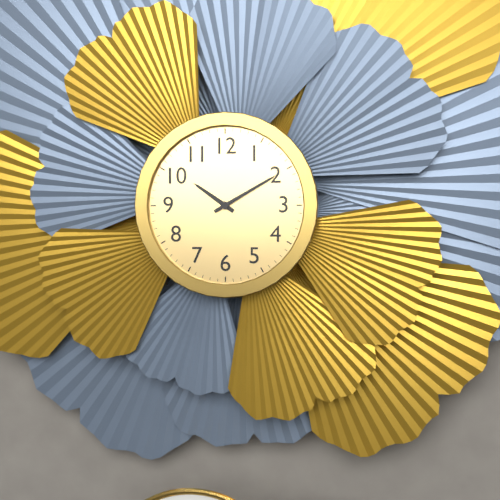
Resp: 10,10
